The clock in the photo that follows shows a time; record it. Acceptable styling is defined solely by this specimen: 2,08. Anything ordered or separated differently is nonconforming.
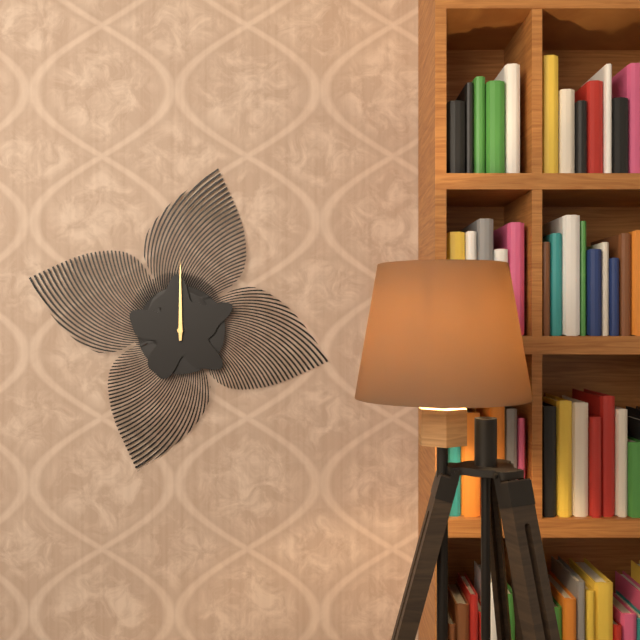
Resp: 12,00
